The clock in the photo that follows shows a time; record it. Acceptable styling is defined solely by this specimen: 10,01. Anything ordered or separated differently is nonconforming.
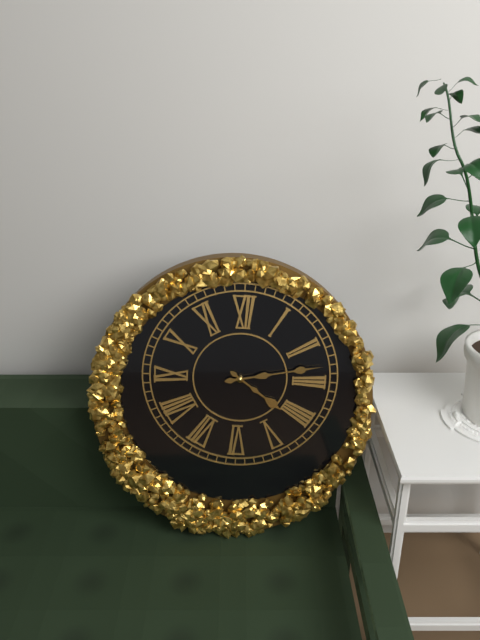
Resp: 4,13
